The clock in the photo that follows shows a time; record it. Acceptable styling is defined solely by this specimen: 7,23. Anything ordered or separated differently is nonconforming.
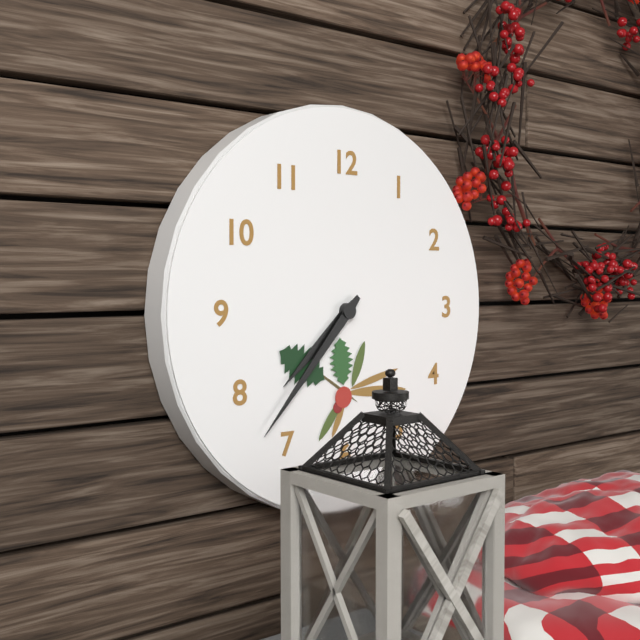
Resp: 7,37
